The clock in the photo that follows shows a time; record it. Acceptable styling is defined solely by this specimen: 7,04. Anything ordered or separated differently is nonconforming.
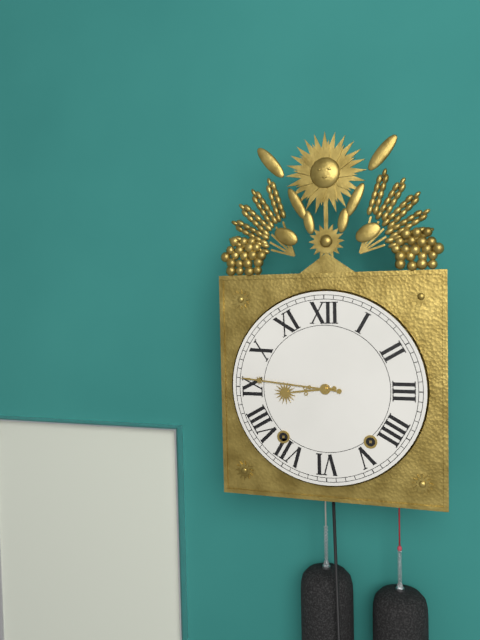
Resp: 8,46
